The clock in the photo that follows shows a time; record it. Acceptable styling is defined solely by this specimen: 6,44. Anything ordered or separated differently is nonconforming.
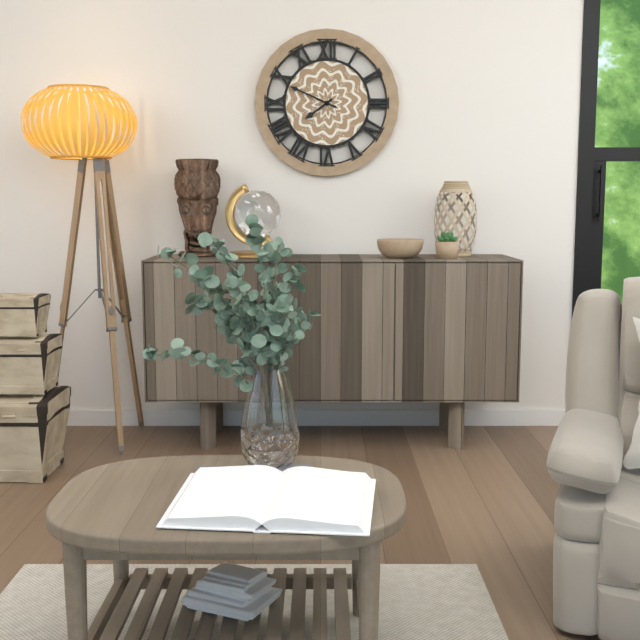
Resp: 7,49
